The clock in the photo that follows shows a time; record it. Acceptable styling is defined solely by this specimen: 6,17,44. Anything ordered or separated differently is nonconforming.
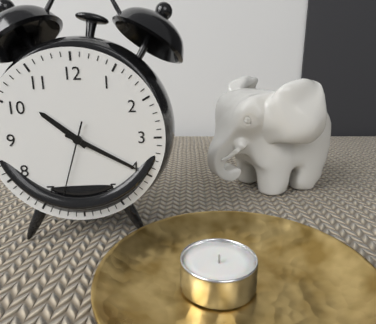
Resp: 10,20,33
